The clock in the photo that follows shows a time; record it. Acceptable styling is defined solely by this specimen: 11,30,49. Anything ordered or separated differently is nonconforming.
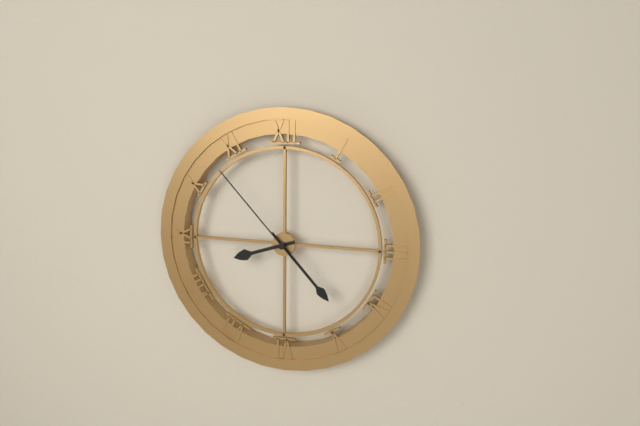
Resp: 8,23,53
